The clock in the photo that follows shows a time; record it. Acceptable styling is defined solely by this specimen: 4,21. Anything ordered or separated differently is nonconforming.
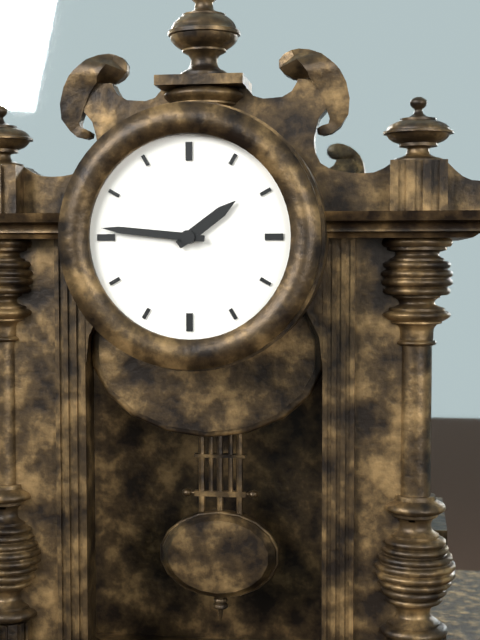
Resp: 1,46
